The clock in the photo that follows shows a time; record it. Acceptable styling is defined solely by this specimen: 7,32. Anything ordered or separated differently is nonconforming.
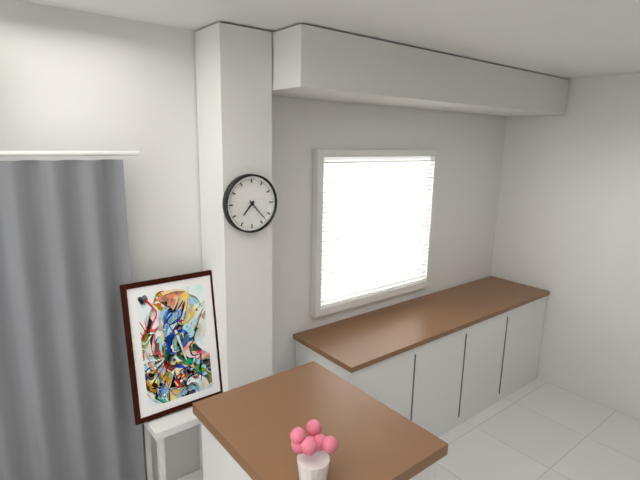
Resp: 7,23
